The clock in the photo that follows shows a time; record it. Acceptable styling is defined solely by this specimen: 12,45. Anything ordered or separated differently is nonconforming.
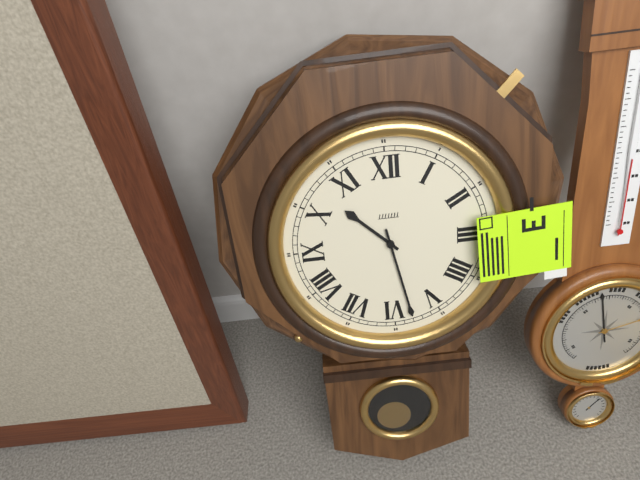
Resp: 10,28
